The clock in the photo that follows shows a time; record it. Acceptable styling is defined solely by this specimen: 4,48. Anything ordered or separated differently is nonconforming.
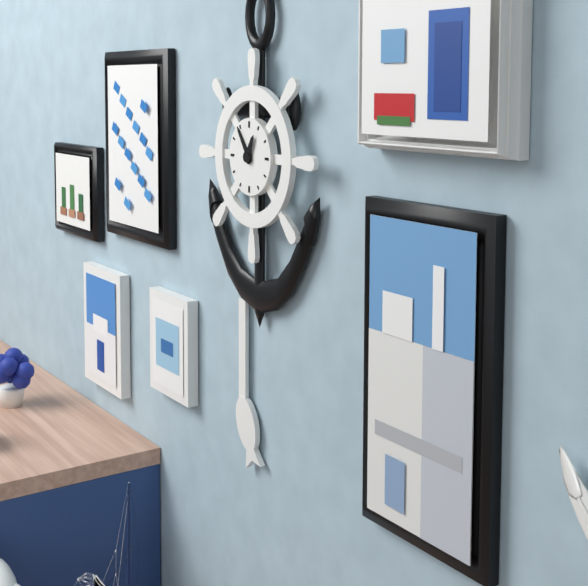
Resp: 12,54
